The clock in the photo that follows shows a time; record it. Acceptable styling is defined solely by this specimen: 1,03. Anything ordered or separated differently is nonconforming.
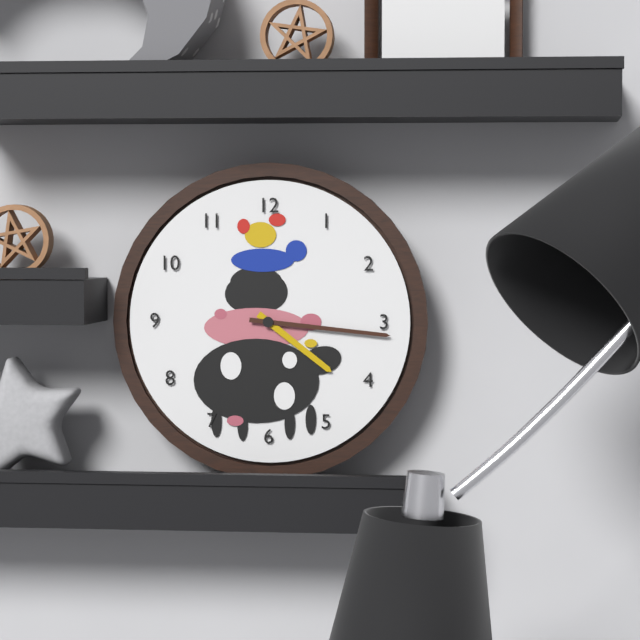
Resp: 4,16
